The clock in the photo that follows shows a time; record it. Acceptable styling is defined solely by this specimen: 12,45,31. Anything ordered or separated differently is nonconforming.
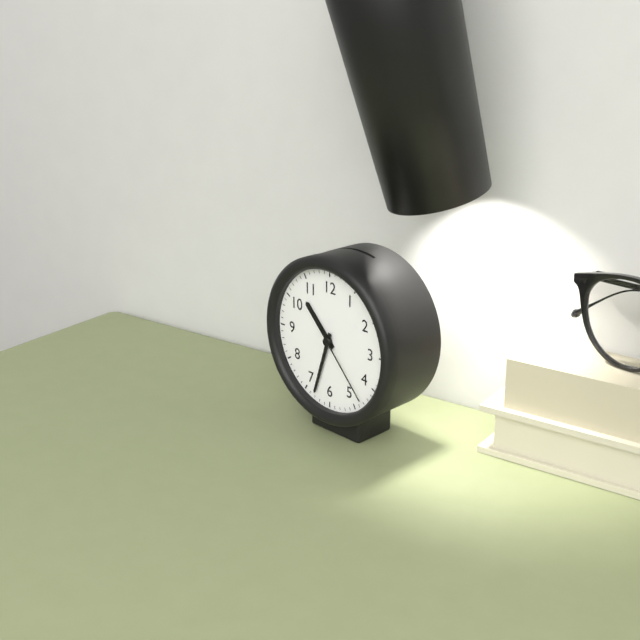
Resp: 10,33,23
